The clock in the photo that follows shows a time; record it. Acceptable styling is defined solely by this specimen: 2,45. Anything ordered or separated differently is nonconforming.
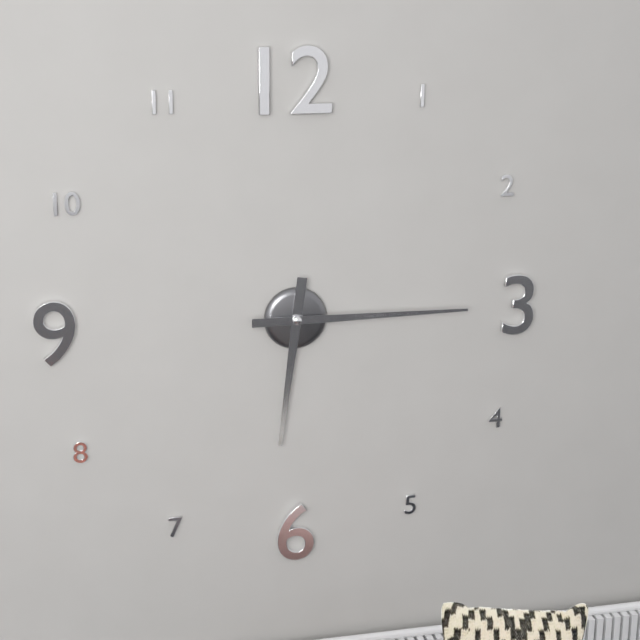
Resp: 6,15
